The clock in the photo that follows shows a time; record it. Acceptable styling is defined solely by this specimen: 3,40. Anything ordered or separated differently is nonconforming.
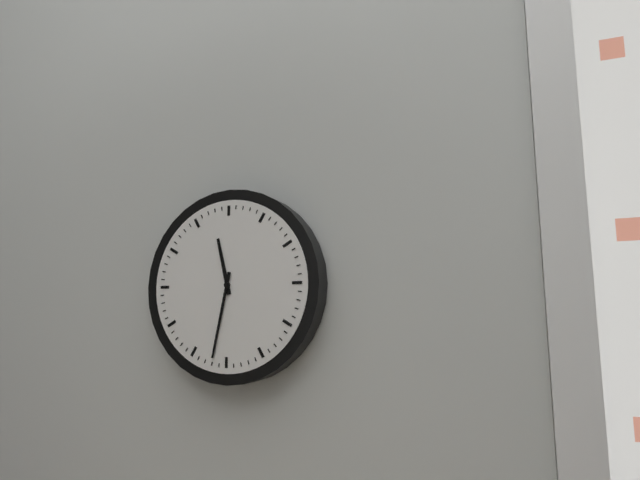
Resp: 11,32
